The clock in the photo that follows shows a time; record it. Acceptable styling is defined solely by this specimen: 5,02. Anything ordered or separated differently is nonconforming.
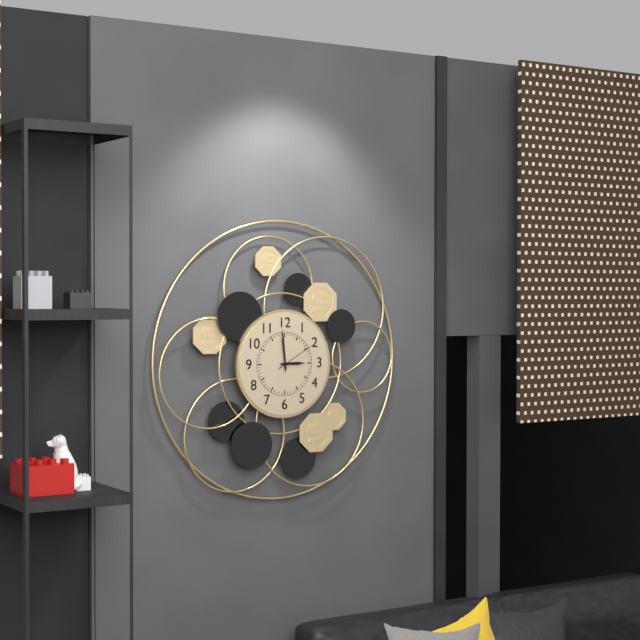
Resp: 2,59
